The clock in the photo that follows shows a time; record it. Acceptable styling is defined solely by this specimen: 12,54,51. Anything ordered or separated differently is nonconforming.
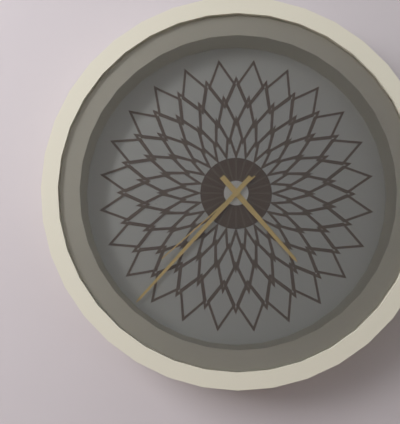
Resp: 4,37,38
